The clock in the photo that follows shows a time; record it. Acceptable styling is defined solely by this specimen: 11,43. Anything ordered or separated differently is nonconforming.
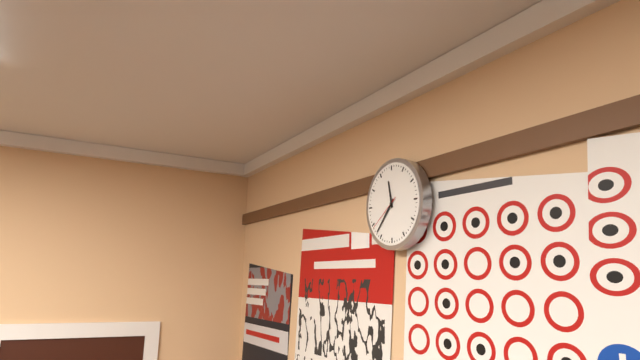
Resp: 11,37
